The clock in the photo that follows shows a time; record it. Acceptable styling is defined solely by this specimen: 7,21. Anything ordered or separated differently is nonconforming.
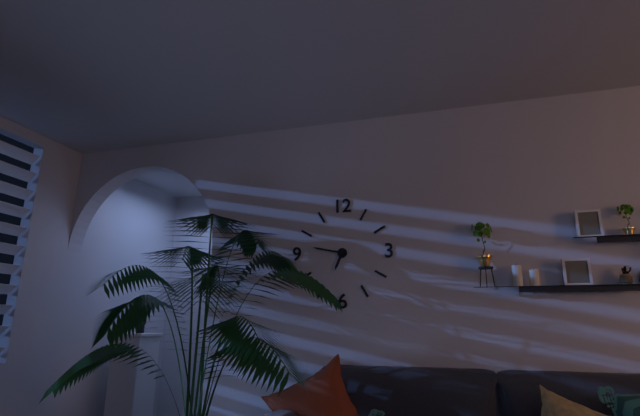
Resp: 6,47
